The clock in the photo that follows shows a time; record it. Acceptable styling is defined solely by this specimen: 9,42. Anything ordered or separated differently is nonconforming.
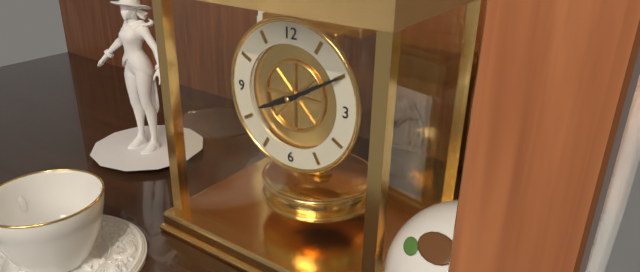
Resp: 8,10
